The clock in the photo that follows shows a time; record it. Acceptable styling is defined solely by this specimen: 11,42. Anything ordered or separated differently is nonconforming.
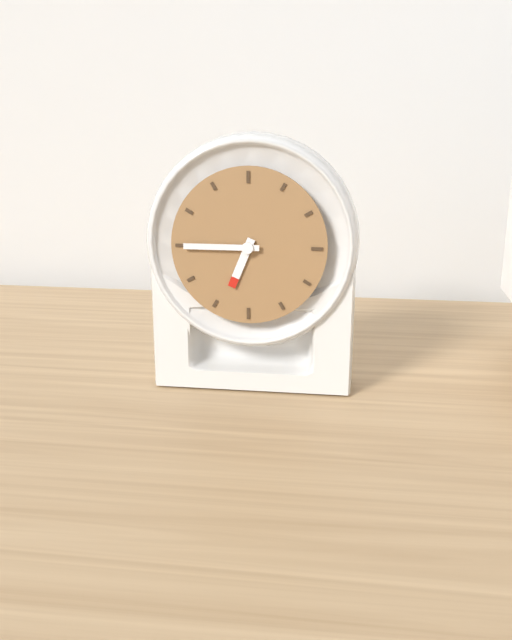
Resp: 6,45
